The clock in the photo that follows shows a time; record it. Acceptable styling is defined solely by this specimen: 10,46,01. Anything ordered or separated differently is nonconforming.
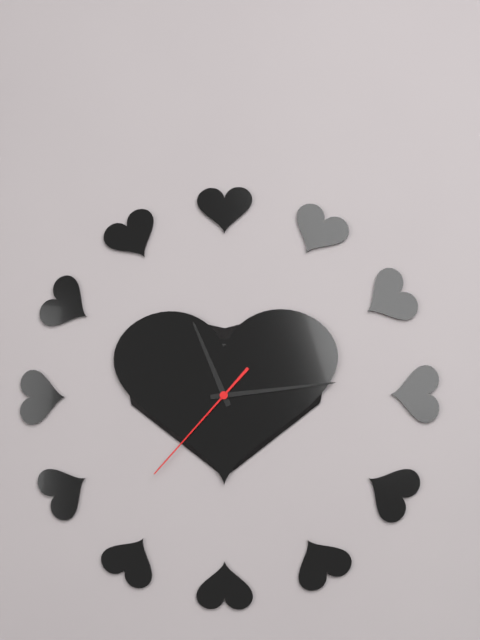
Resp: 11,14,37
